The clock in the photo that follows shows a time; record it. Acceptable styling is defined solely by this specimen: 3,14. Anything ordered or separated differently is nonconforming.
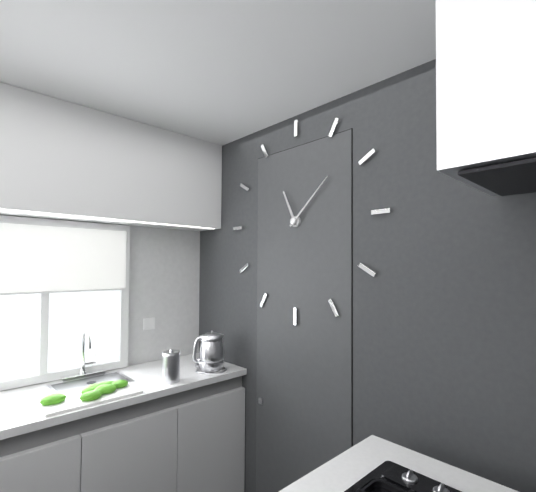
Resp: 11,08
